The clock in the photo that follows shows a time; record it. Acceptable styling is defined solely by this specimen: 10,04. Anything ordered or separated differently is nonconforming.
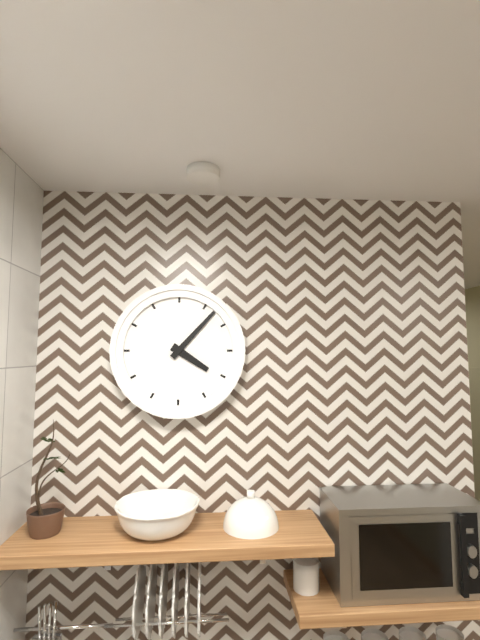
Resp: 4,07
